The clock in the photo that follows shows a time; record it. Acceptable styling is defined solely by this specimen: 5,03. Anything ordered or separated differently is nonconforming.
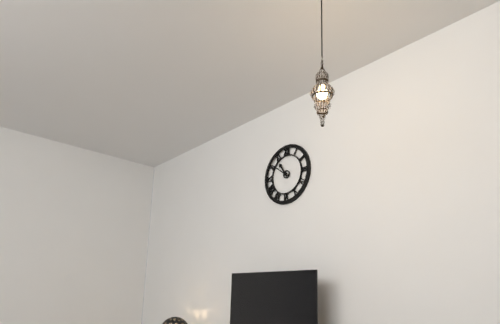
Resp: 10,51
